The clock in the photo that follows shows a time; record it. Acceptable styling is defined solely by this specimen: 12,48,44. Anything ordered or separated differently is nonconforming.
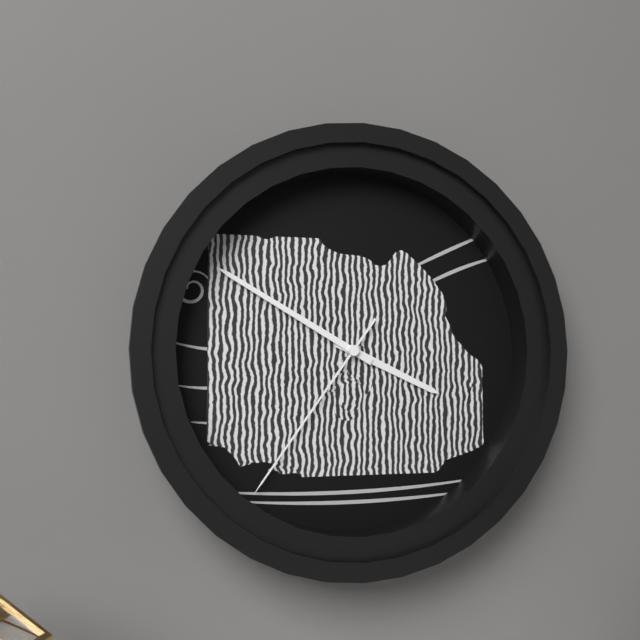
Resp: 3,50,36
